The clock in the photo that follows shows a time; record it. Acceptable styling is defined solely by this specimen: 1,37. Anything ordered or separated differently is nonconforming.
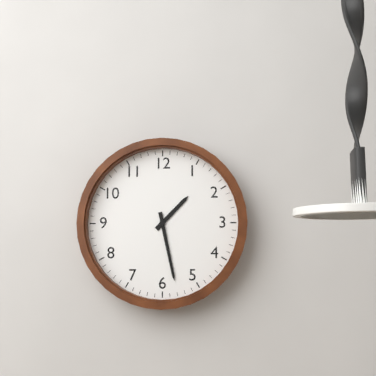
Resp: 1,28
